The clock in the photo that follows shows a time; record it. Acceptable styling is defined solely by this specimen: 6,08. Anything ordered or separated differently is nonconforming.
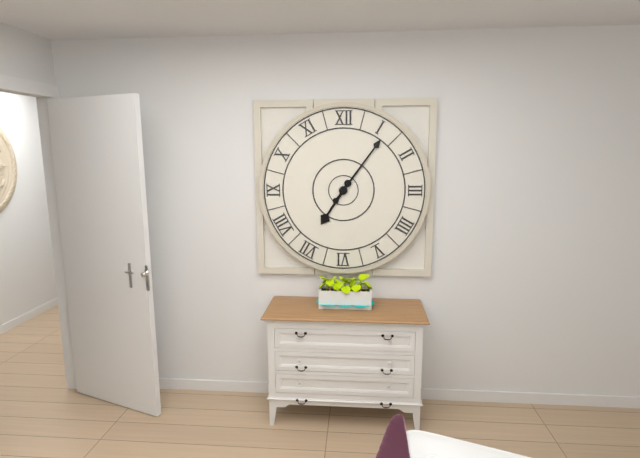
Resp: 7,06
